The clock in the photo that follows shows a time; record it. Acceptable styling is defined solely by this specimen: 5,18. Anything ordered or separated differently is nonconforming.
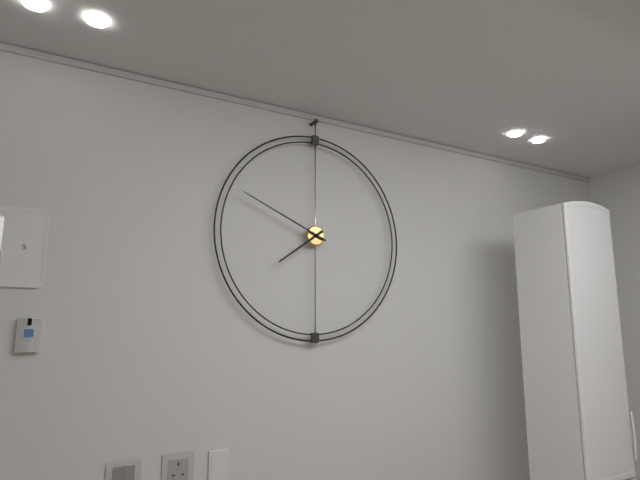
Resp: 7,49
